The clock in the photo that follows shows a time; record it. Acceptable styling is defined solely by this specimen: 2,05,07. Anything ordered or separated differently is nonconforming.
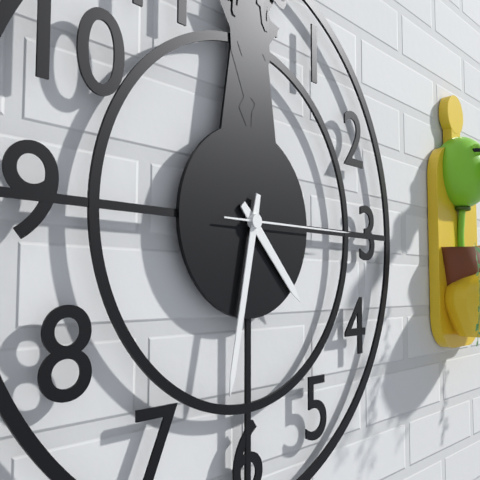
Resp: 4,32,15
